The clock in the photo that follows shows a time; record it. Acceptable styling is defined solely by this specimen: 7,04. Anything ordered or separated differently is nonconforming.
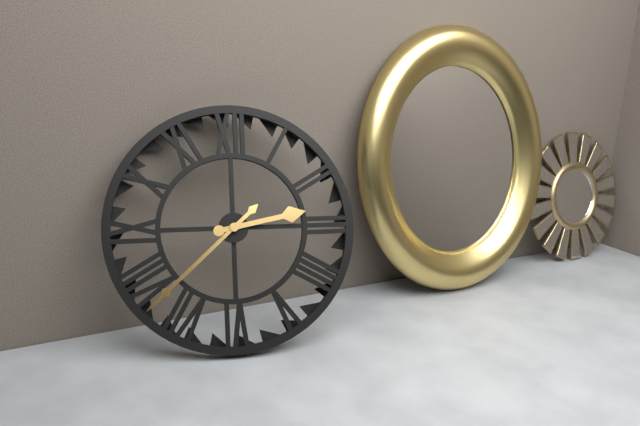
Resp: 2,38
